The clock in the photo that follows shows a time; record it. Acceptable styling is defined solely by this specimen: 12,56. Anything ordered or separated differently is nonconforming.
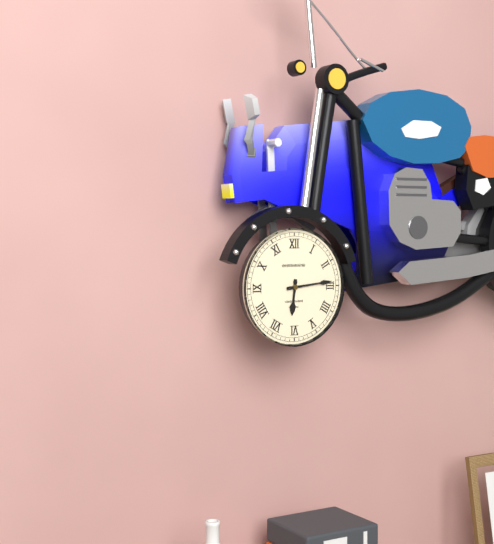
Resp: 6,14
